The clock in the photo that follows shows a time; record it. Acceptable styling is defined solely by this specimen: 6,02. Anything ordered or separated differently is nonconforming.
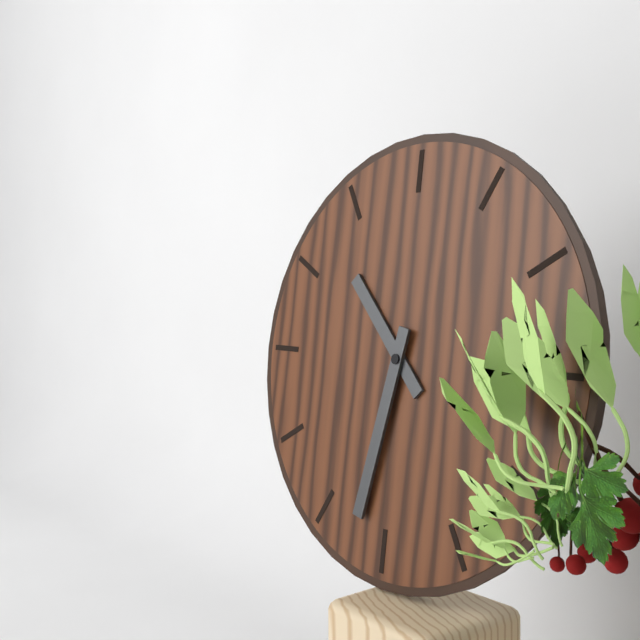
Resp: 10,32
